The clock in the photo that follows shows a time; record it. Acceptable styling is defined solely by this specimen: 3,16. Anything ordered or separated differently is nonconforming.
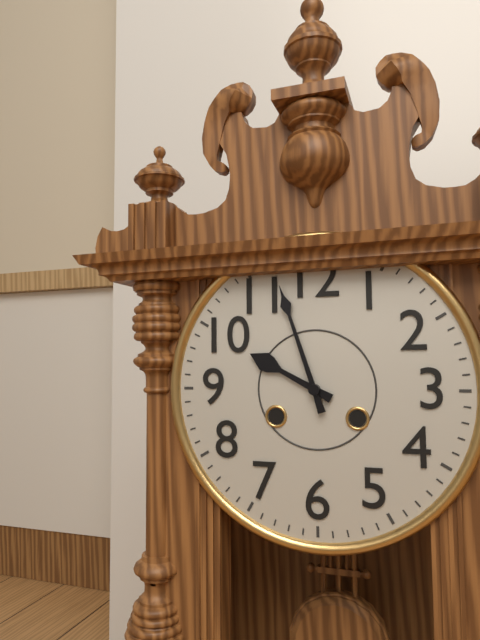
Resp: 9,57
